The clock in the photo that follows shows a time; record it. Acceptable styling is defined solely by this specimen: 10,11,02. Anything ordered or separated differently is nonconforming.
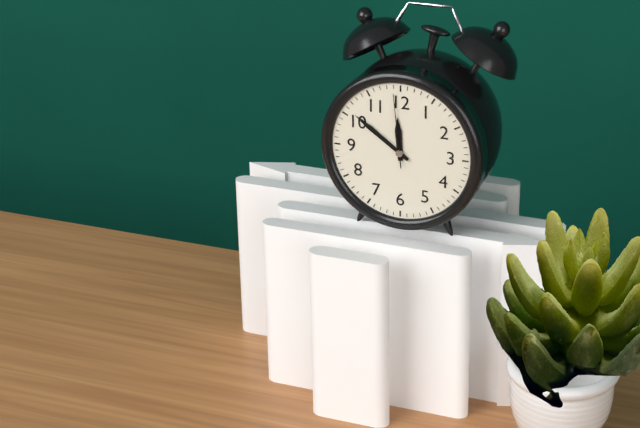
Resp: 11,51,59
